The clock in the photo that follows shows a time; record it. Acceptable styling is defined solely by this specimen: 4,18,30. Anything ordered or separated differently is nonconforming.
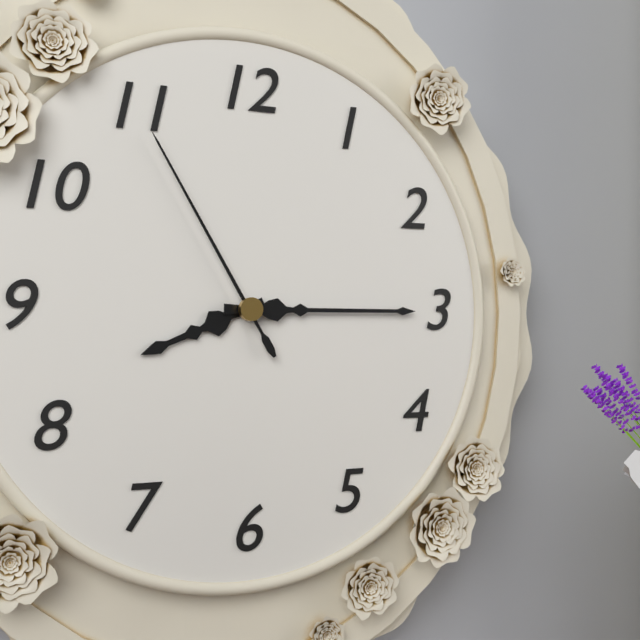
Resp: 8,15,55
